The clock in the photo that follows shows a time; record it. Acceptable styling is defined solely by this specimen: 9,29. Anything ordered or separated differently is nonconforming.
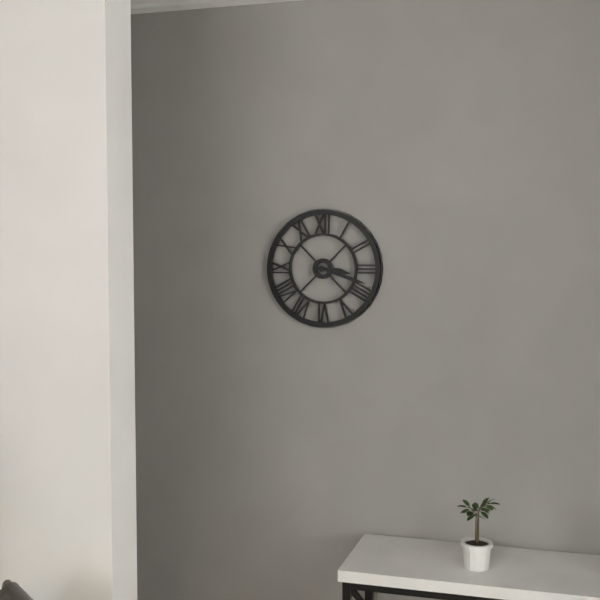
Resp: 3,18
